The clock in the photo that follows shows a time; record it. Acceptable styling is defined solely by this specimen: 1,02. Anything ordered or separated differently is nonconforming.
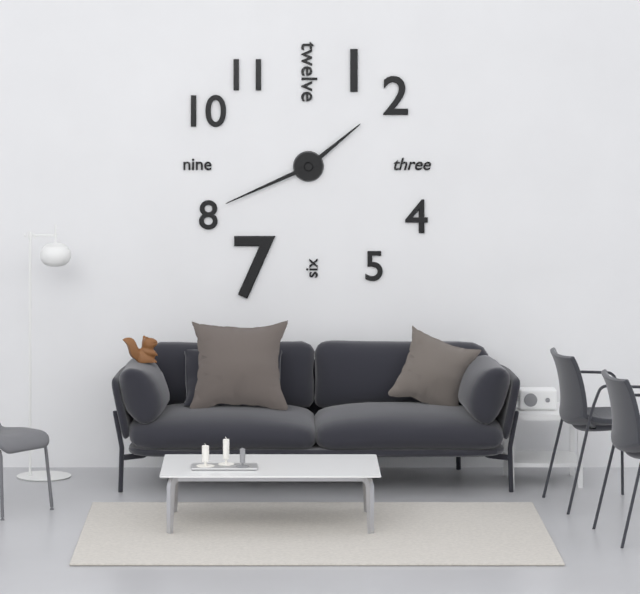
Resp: 1,41
